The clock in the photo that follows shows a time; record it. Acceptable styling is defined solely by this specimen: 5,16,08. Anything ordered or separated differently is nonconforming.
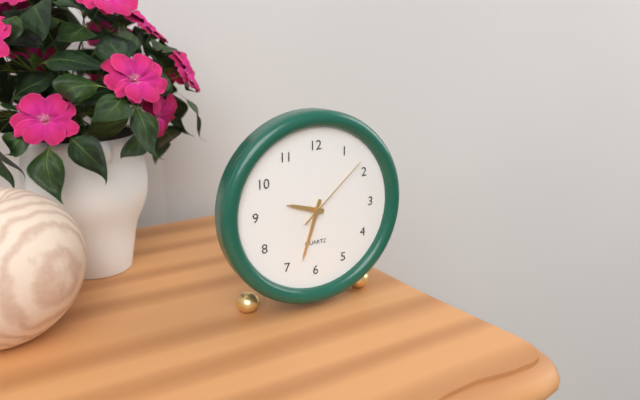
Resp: 9,33,08
